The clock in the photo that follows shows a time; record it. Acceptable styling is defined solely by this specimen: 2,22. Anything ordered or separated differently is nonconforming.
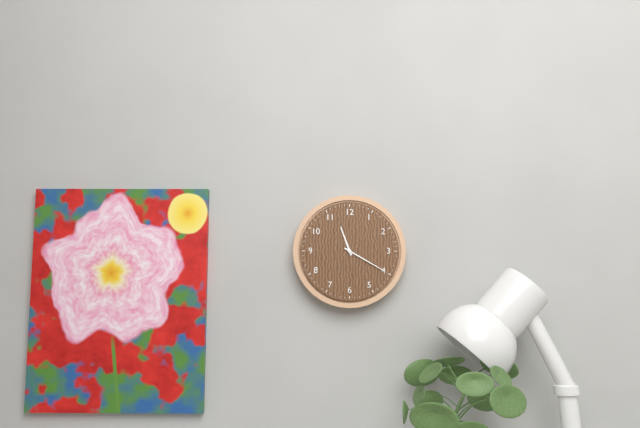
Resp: 11,20
